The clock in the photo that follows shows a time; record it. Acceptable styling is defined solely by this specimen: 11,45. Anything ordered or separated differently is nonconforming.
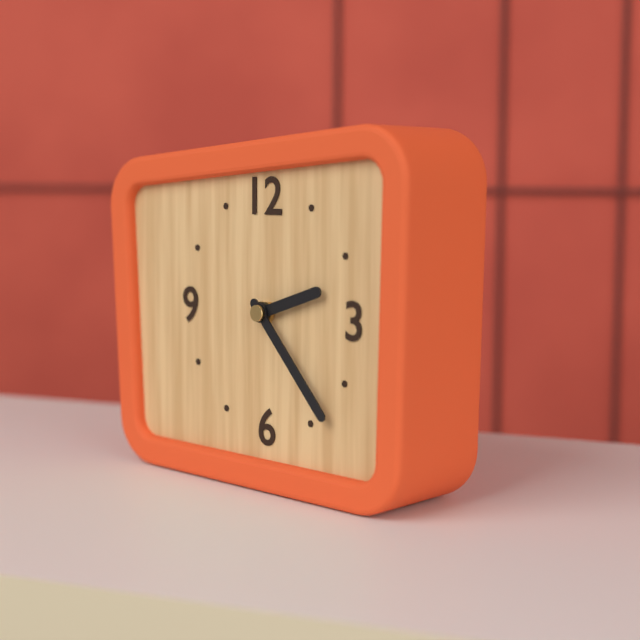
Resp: 2,23
